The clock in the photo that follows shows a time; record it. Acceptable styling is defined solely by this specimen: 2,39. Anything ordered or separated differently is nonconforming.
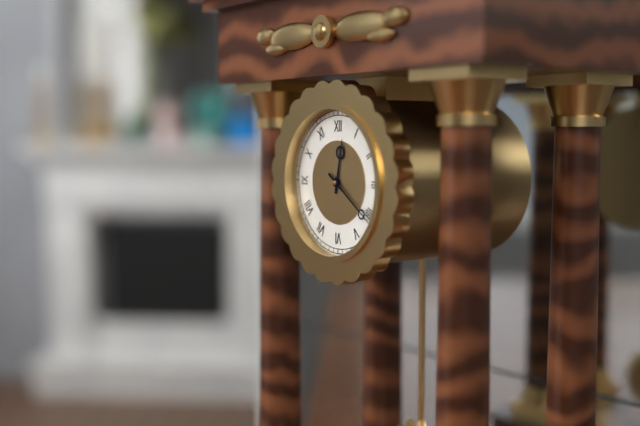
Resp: 12,21
